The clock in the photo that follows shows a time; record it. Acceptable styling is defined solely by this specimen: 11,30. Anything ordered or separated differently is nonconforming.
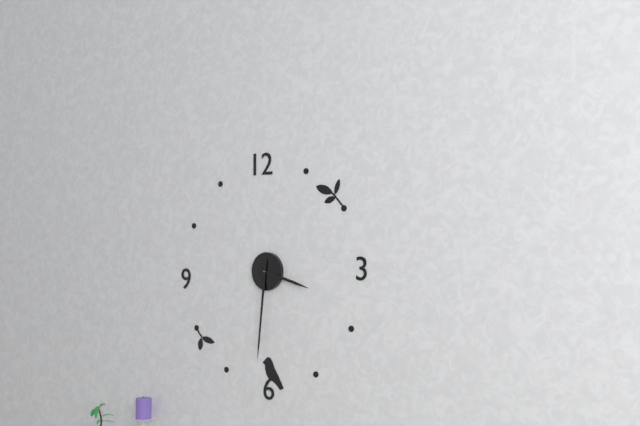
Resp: 3,31
